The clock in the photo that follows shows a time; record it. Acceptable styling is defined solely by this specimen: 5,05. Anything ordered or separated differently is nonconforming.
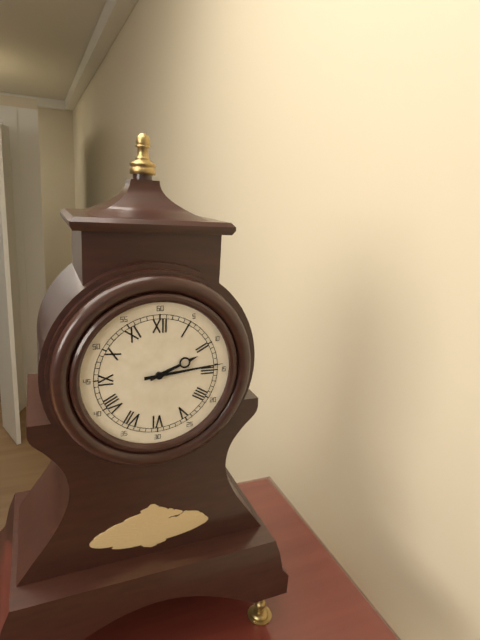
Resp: 2,14
